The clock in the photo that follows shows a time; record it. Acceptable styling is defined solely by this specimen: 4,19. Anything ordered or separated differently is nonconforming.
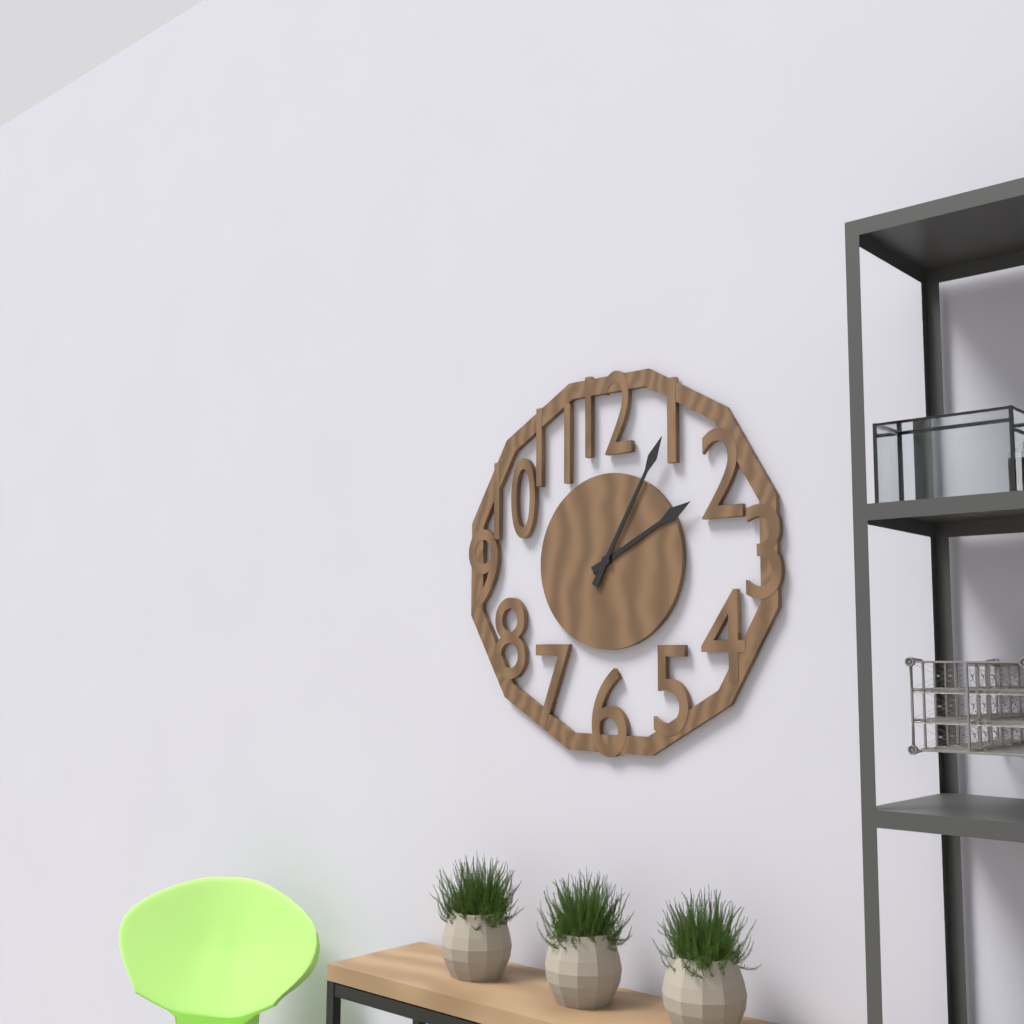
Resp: 2,05
